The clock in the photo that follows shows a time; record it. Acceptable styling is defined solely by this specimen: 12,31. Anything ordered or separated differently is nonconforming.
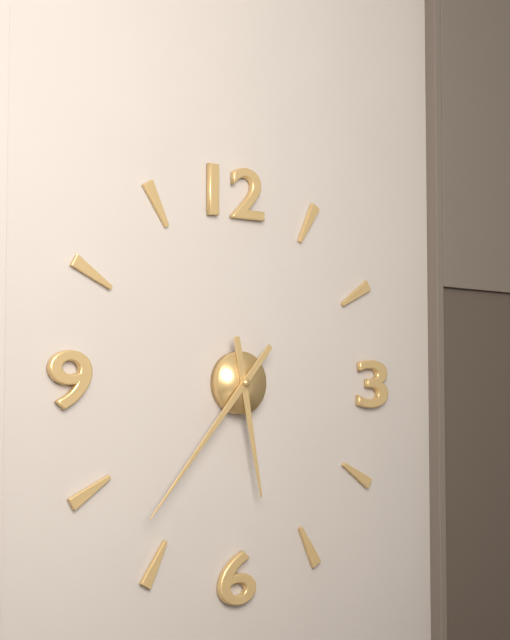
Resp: 5,37
